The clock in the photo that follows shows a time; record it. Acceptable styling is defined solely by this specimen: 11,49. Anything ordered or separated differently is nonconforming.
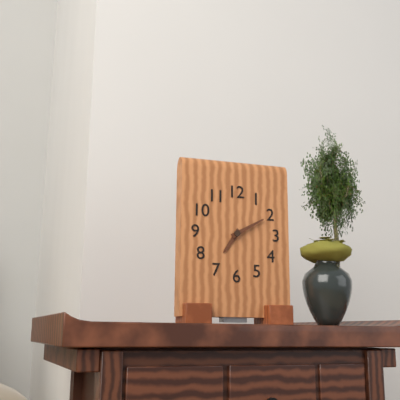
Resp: 7,10
